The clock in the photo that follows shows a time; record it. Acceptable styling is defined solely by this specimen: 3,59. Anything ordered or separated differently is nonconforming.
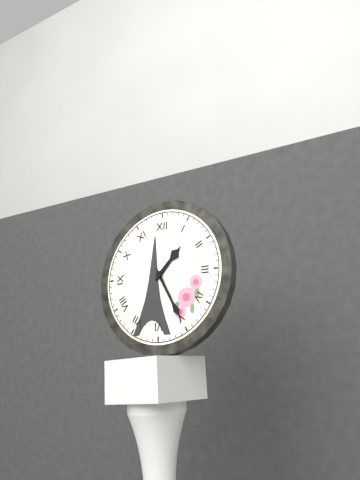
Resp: 1,25
